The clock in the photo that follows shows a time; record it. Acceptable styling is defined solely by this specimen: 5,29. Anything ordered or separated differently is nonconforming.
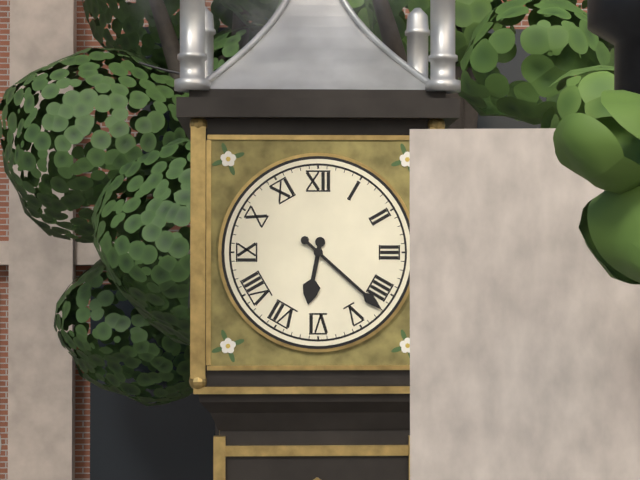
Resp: 6,22
